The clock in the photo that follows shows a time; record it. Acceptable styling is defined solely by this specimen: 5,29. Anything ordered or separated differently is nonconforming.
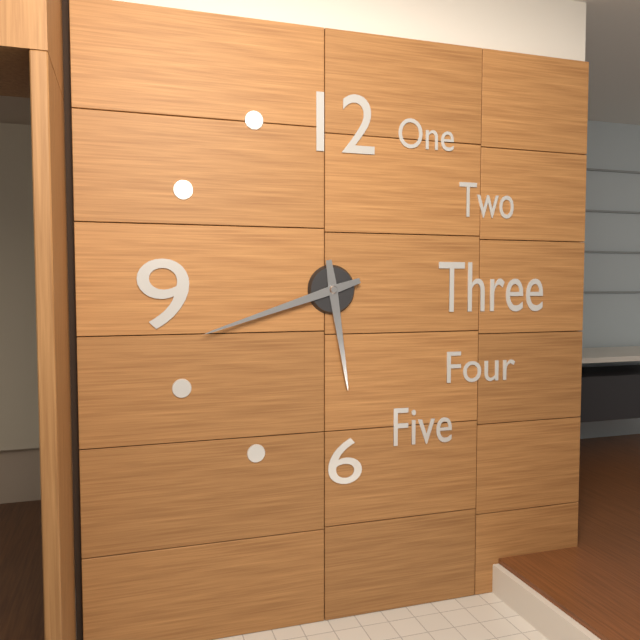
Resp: 5,42
